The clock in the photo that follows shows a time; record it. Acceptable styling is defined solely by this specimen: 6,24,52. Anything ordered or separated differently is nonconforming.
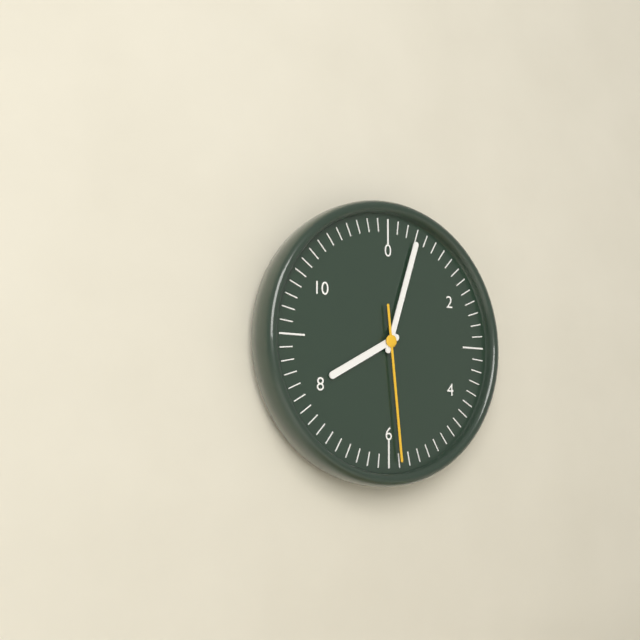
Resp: 8,03,29
